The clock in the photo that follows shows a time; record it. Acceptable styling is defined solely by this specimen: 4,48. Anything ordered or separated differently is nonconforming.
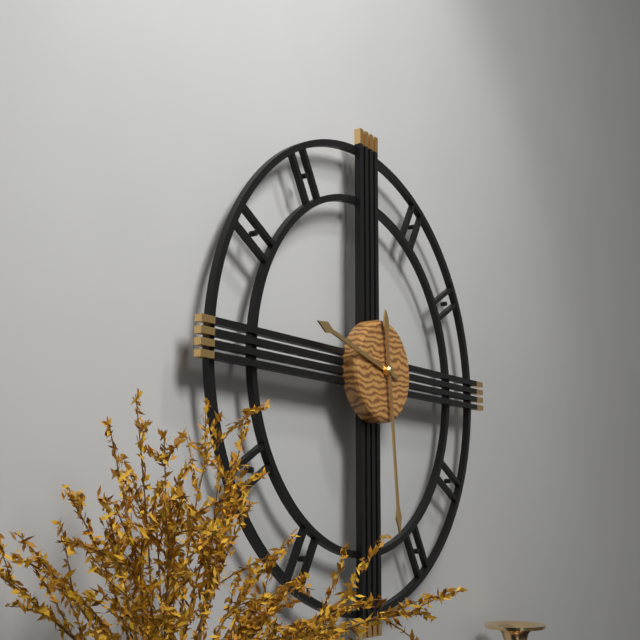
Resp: 9,29
